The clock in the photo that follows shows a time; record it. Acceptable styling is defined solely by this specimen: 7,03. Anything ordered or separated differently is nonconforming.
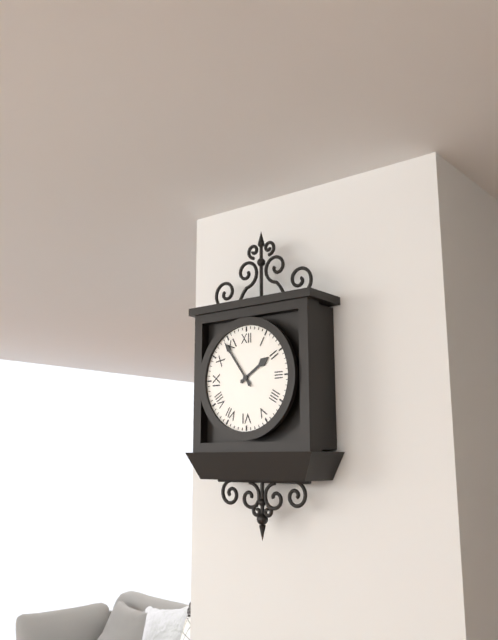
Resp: 1,54
